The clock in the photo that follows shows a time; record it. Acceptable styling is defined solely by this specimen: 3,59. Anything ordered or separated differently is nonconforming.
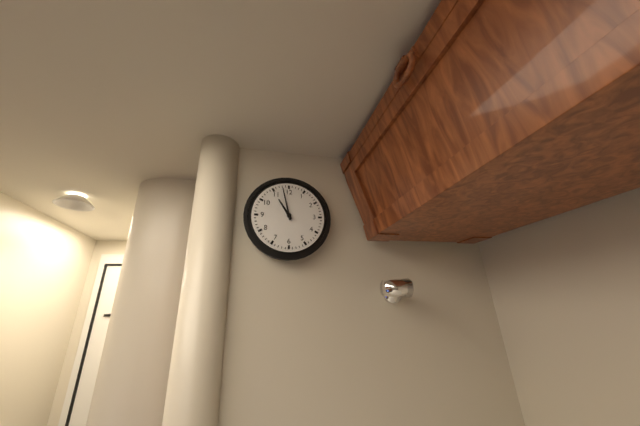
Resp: 10,58
